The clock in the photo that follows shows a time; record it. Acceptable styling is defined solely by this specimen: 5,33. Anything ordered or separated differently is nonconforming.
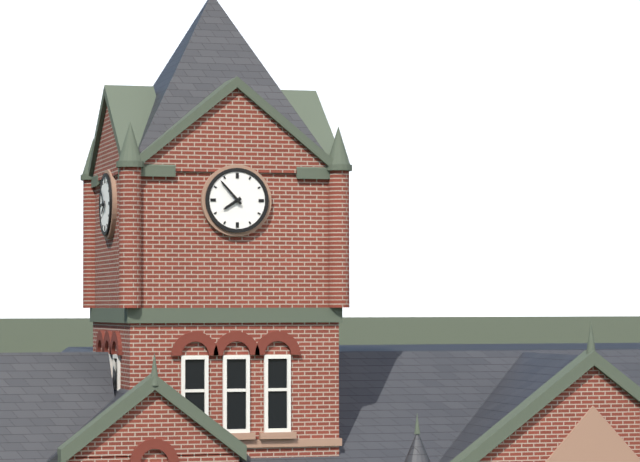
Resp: 7,53
